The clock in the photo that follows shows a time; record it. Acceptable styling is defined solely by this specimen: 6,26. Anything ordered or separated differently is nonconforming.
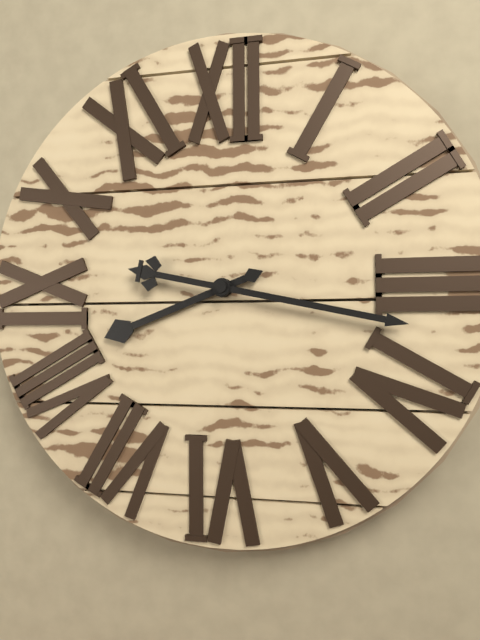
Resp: 8,17
